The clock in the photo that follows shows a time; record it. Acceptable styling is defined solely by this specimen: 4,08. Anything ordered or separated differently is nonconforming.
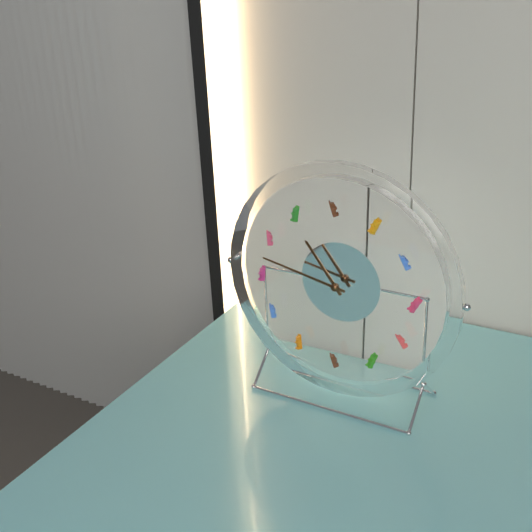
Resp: 10,47
